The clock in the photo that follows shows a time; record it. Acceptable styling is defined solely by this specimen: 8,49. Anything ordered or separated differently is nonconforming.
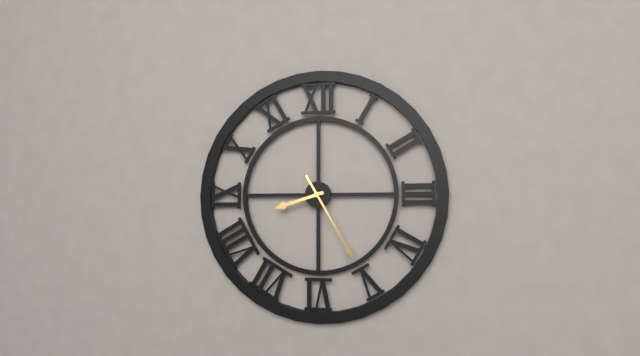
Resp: 8,25
